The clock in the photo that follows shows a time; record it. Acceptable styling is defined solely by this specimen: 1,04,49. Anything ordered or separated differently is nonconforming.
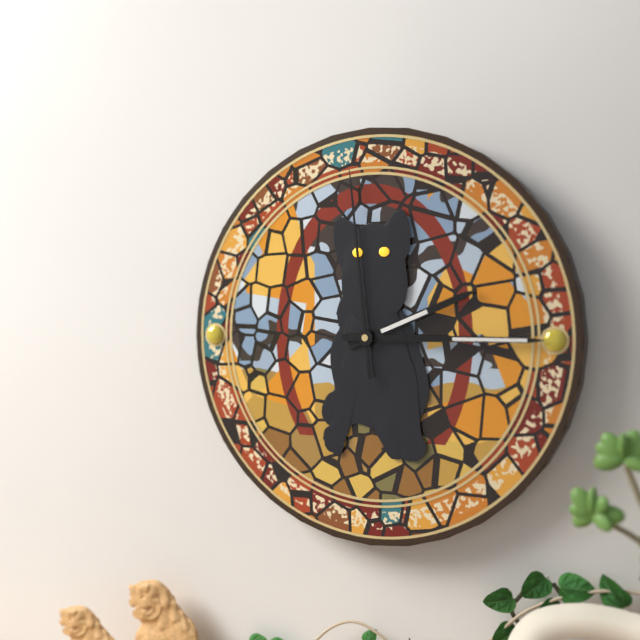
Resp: 2,15,59
